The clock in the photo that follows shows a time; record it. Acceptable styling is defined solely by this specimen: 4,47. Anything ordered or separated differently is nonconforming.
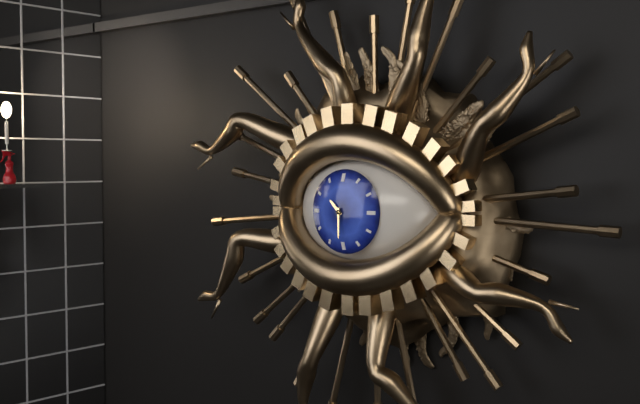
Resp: 10,30
